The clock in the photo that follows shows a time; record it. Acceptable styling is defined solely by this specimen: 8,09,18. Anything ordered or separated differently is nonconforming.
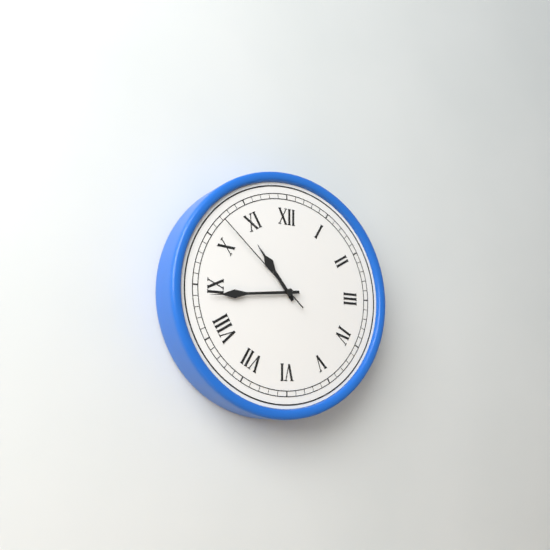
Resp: 10,44,52
